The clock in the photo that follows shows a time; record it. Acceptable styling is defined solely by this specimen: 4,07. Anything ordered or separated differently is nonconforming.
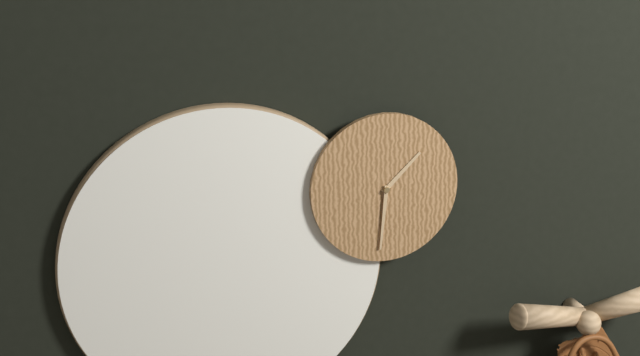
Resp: 1,31
